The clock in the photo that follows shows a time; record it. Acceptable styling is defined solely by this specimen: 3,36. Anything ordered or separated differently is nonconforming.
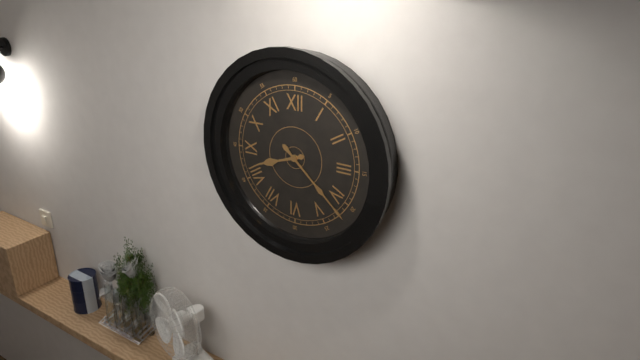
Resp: 8,22
